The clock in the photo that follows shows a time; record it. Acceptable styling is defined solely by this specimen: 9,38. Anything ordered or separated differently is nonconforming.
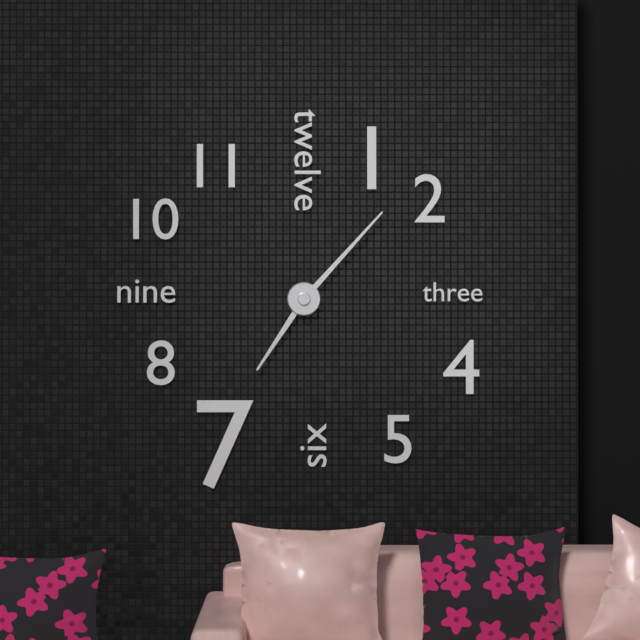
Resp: 7,07
